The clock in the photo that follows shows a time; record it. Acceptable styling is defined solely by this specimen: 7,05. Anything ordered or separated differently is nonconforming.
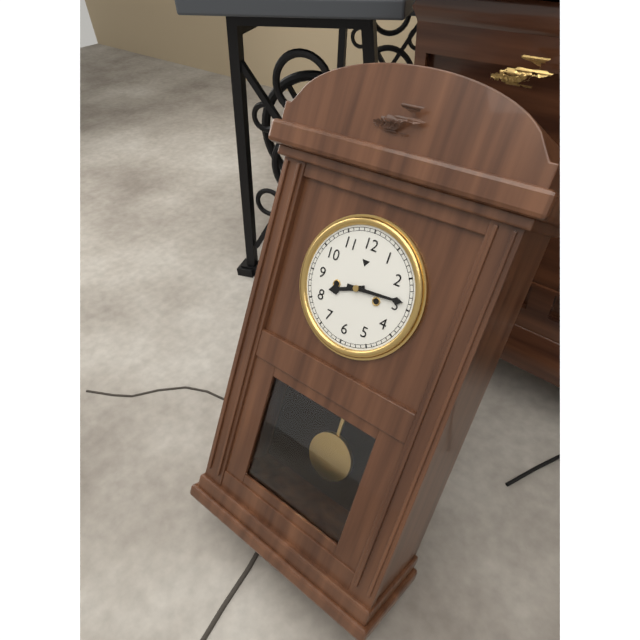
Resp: 8,14
